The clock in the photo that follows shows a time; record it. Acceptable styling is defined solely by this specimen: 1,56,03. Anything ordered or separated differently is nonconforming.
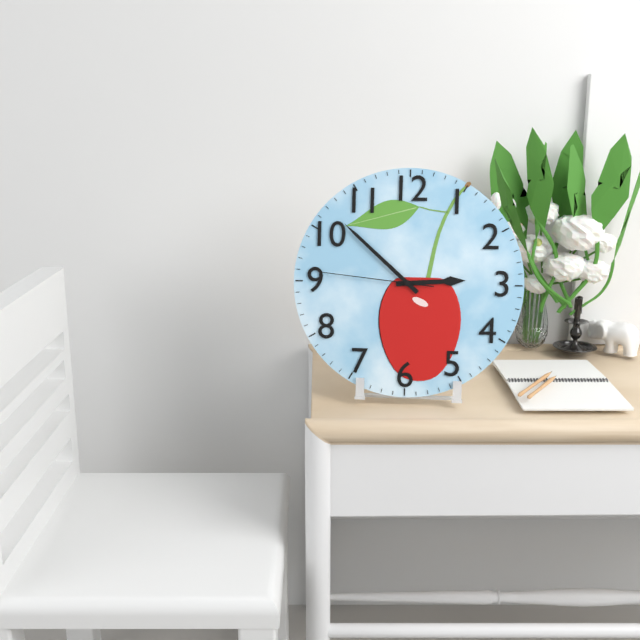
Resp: 2,52,46
